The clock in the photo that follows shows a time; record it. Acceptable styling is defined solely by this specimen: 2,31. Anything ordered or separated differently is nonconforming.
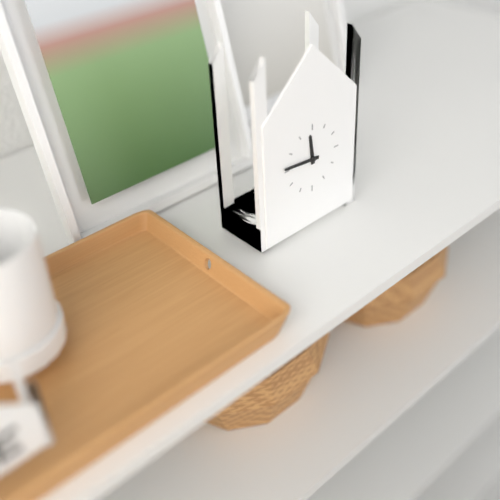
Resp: 11,46
